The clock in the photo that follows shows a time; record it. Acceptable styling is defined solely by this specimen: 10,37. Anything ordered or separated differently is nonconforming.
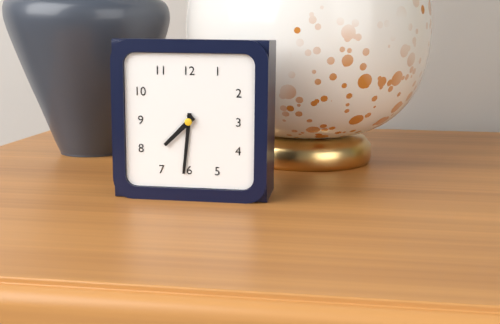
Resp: 7,31
